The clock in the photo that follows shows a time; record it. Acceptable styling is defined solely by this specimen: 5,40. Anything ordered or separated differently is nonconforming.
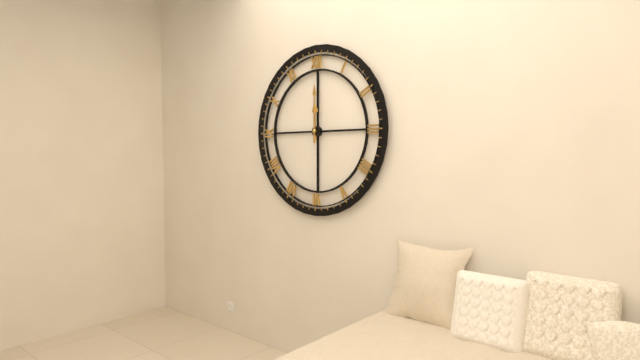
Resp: 12,00
